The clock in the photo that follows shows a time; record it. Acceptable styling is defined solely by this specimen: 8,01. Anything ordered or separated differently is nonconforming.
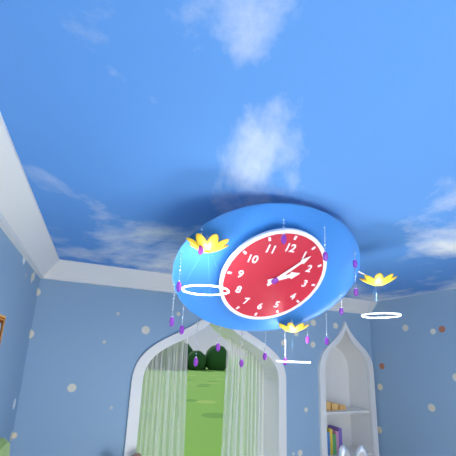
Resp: 2,06
